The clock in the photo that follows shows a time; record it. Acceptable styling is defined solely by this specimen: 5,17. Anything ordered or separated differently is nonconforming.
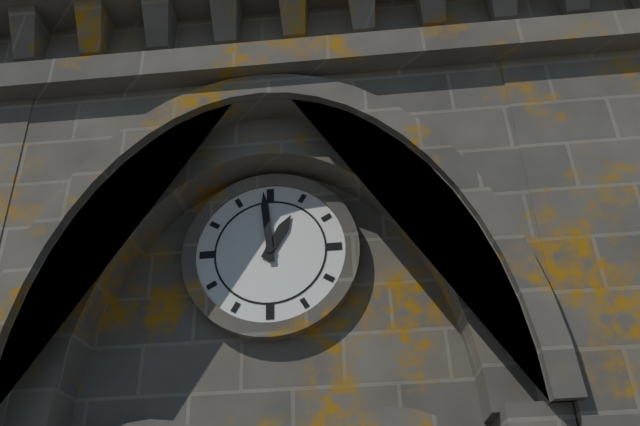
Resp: 12,59
